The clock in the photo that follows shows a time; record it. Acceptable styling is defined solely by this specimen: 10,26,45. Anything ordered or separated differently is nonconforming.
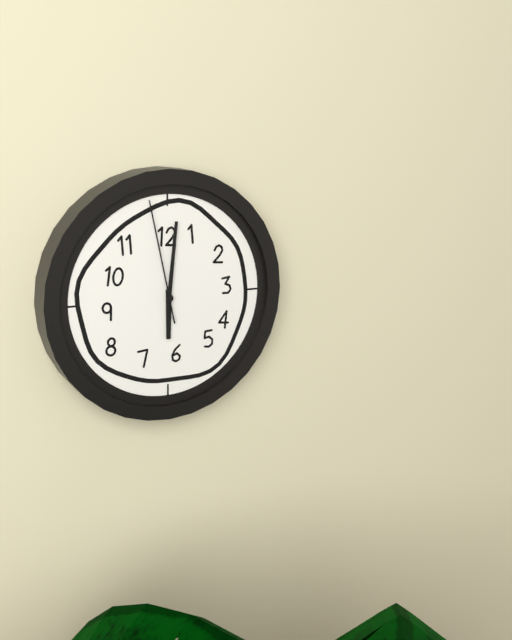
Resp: 6,01,58
